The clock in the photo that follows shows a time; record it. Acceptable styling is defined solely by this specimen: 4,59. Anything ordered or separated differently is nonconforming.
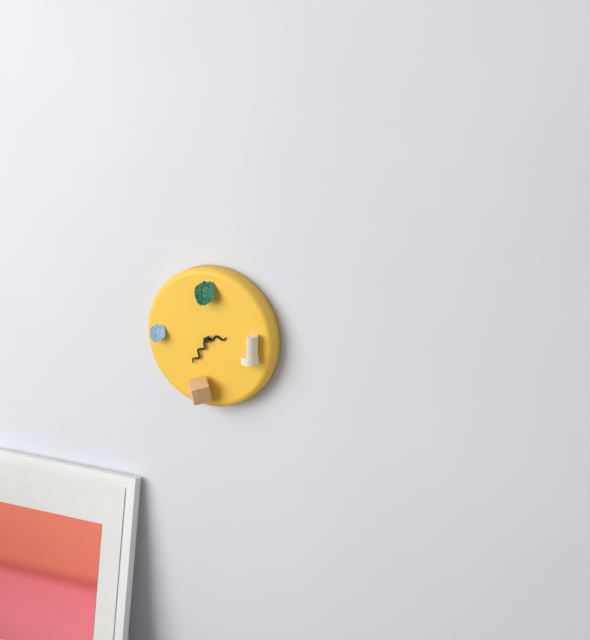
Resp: 2,35
